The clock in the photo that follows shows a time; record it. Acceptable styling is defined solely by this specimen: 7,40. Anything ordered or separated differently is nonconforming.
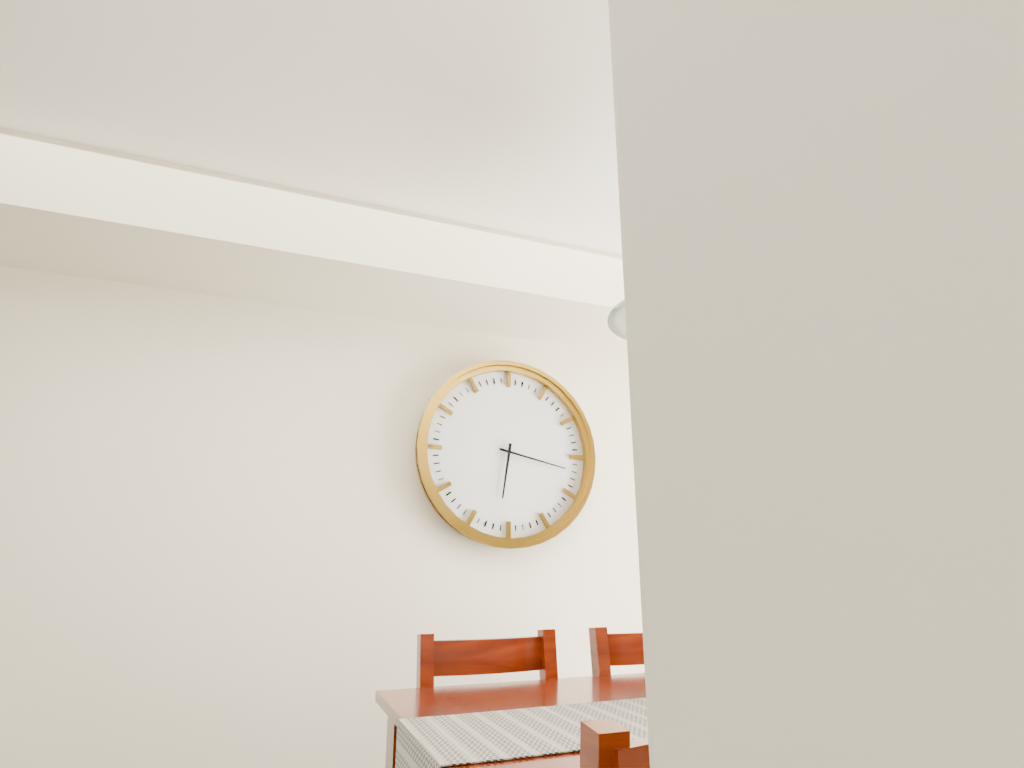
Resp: 6,17
